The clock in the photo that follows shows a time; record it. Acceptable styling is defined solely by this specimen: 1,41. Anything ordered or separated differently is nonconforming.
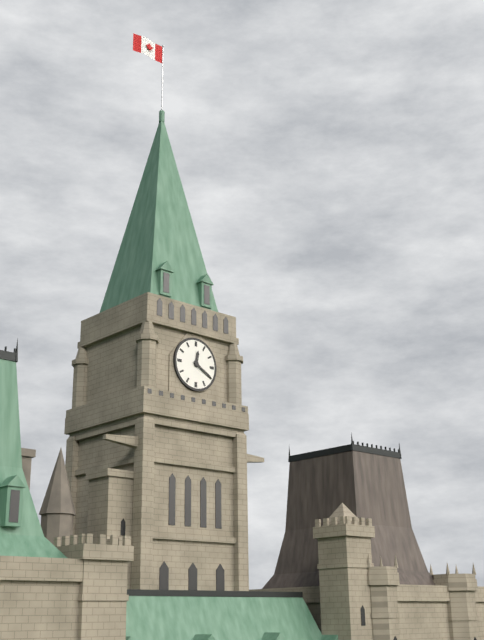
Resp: 12,20
